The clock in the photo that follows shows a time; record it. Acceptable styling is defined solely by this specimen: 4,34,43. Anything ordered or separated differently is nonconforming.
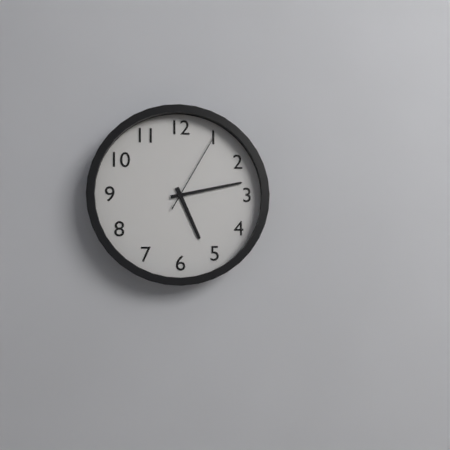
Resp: 5,13,05
